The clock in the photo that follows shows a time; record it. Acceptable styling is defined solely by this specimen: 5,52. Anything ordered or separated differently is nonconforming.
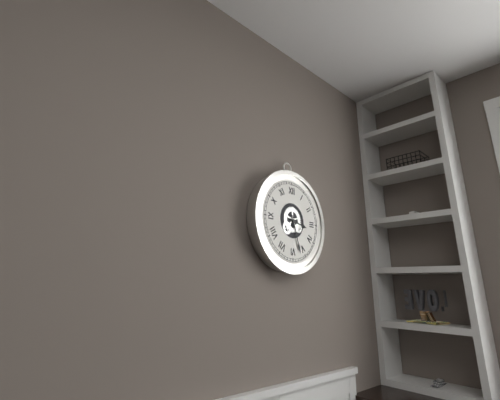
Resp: 3,27
